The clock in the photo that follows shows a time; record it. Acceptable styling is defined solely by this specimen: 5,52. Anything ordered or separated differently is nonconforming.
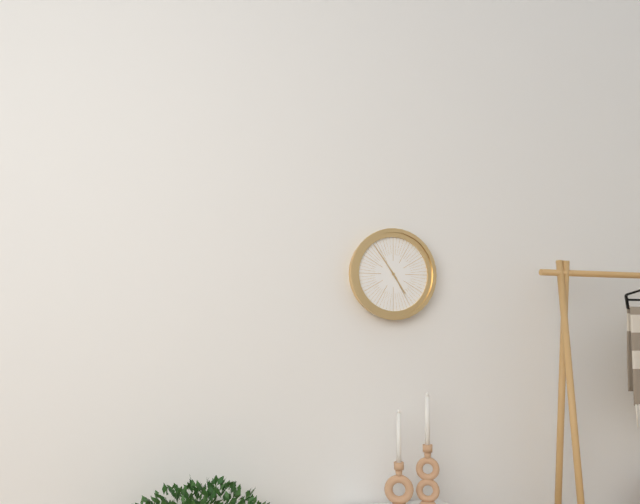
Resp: 4,54
